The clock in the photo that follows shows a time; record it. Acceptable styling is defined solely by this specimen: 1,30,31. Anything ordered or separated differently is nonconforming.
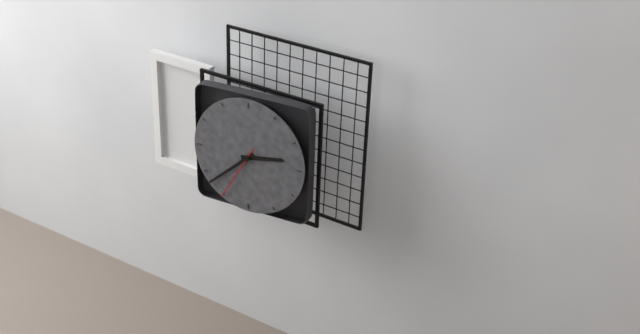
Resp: 2,38,35
